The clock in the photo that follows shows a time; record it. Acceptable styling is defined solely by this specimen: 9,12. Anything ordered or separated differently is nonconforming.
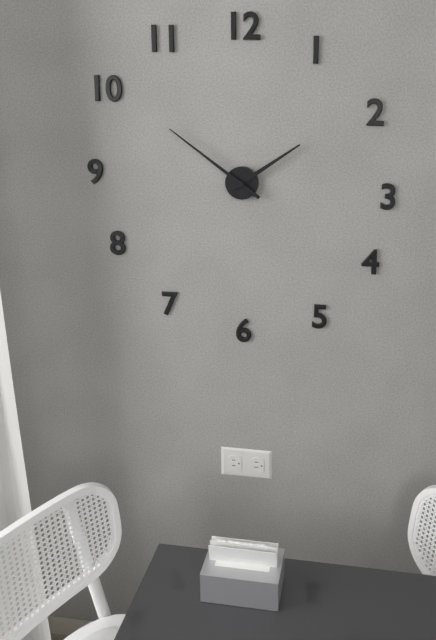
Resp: 1,51
